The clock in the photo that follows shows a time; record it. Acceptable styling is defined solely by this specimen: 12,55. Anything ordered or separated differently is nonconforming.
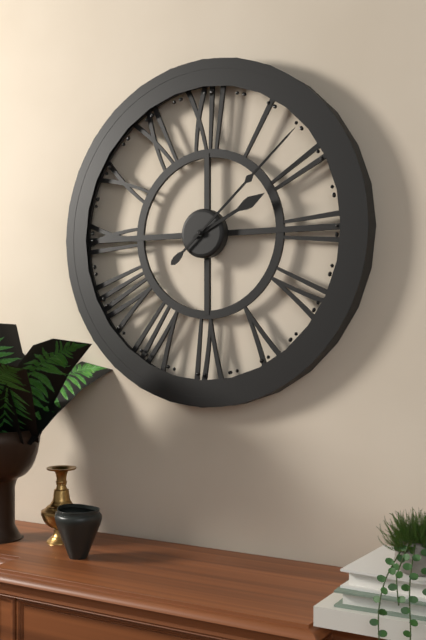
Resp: 2,08
